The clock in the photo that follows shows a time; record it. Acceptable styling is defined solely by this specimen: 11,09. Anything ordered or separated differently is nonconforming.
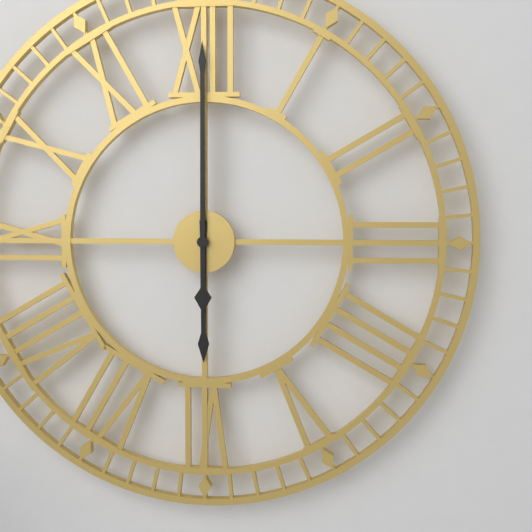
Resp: 6,00
